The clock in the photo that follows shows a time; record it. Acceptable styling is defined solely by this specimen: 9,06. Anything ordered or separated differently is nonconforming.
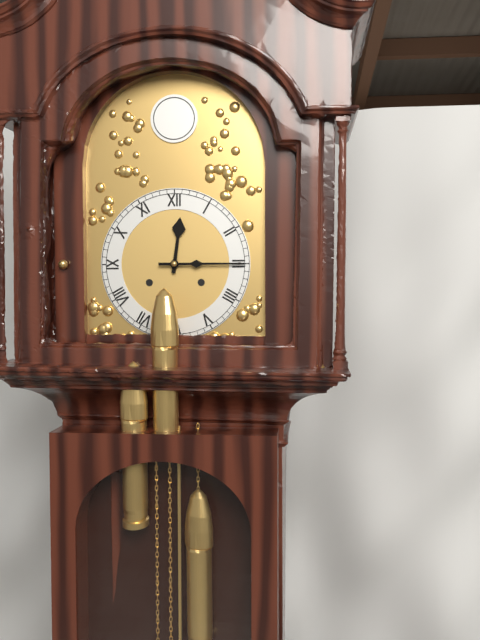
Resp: 12,15
